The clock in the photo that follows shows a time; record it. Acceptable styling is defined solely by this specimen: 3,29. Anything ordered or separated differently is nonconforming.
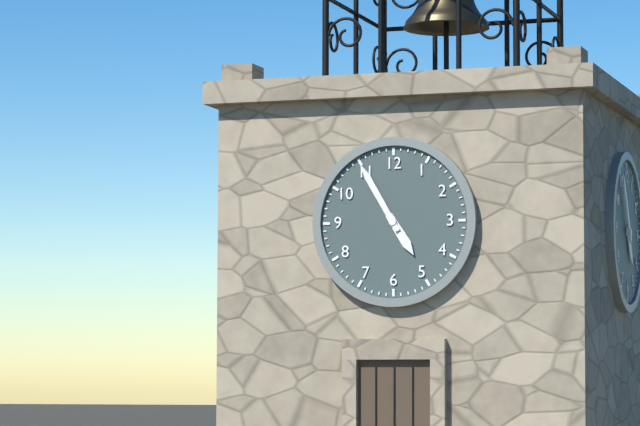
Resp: 4,55
